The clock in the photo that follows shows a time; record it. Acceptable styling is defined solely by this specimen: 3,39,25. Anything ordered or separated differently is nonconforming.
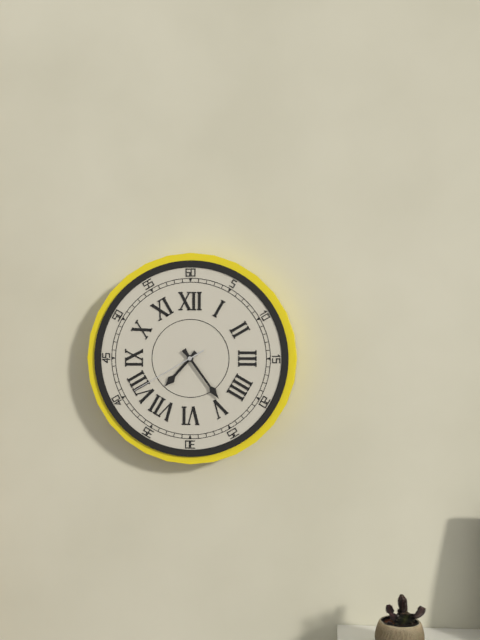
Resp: 7,24,40
